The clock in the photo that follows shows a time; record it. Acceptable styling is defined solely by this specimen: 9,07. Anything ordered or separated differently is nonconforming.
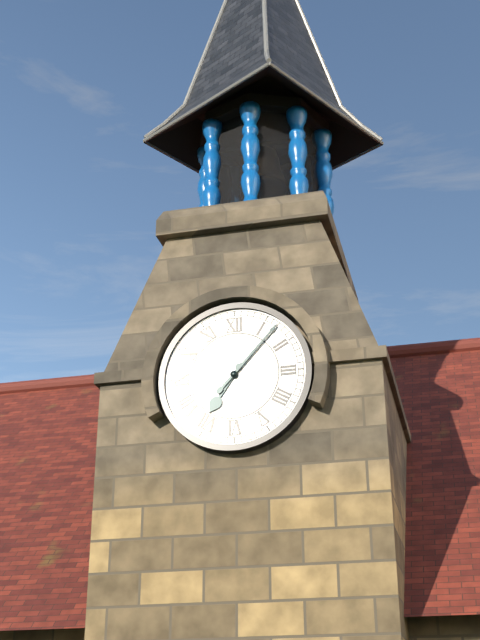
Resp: 7,07
